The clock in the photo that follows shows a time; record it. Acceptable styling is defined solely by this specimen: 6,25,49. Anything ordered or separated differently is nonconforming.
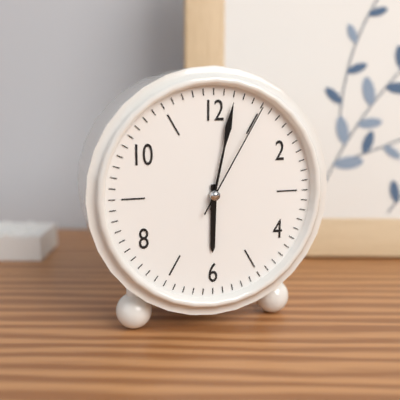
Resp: 6,02,05
